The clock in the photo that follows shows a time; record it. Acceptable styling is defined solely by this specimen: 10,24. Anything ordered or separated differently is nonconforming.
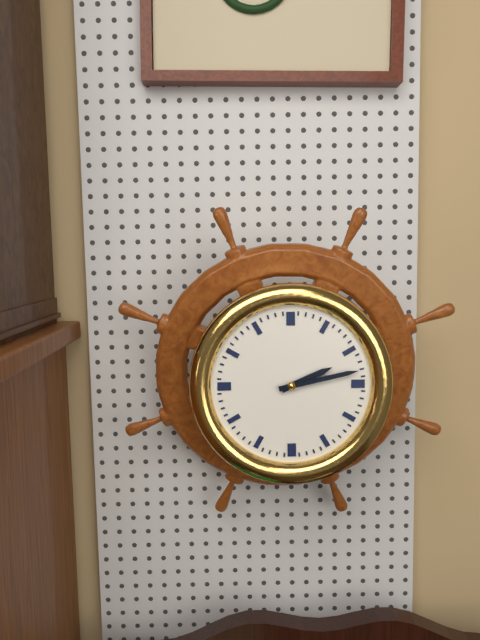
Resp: 2,13
